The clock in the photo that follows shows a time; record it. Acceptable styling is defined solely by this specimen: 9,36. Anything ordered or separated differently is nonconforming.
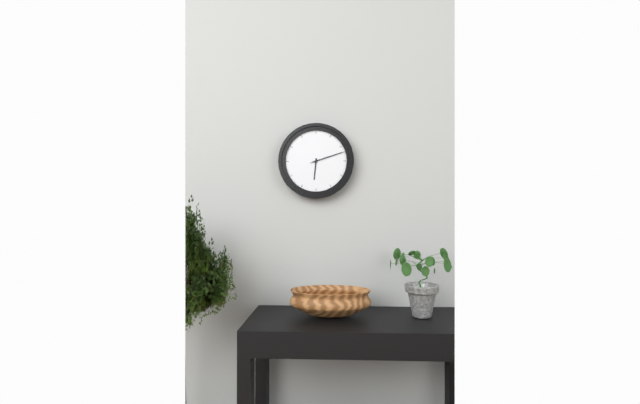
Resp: 6,12
